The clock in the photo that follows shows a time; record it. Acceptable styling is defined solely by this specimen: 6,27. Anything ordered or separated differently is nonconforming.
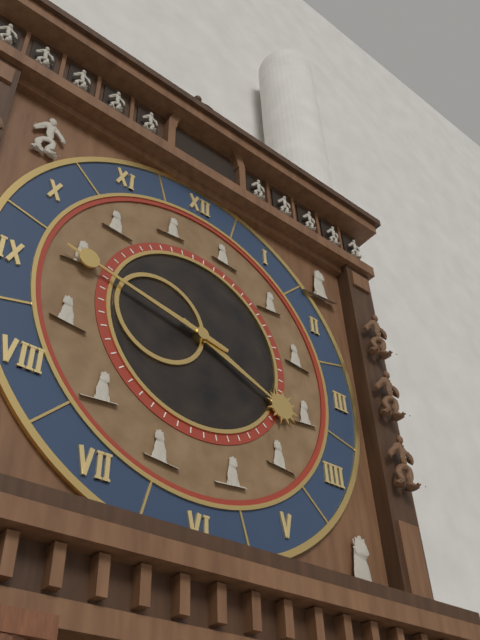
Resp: 3,47
